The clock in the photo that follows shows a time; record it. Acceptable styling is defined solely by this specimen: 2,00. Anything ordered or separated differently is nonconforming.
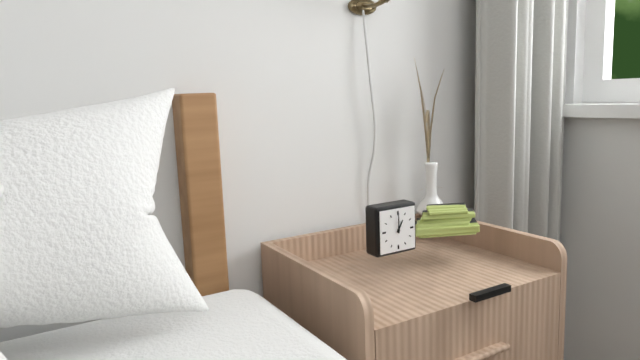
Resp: 1,00
